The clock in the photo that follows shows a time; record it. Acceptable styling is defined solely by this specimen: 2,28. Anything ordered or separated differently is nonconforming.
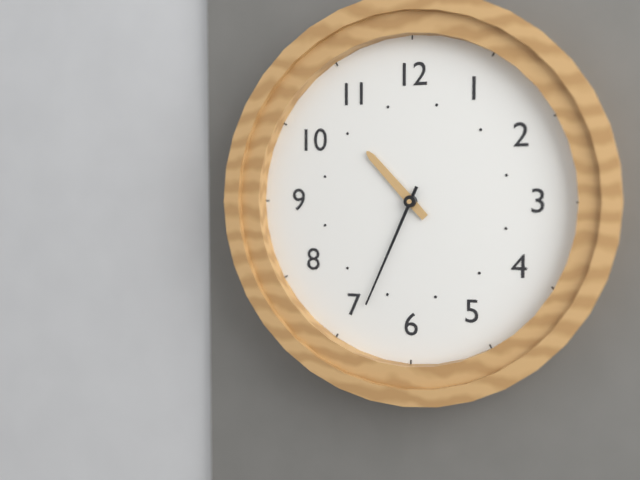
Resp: 10,34
